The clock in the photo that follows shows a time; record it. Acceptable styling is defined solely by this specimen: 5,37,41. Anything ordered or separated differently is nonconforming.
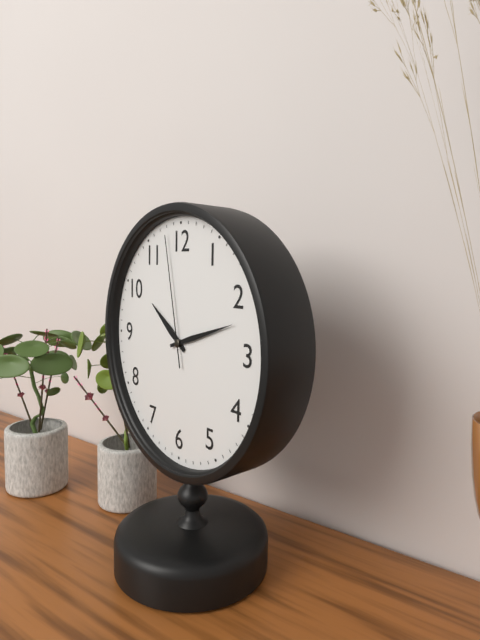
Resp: 10,12,58
